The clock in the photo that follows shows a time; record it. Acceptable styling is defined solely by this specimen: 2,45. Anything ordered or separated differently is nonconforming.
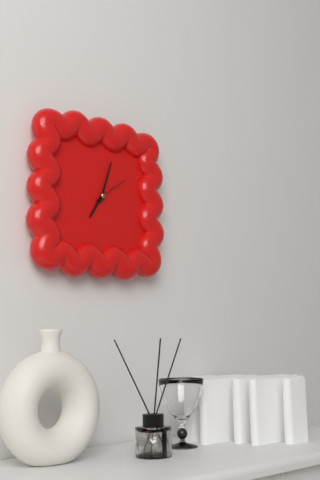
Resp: 7,03
